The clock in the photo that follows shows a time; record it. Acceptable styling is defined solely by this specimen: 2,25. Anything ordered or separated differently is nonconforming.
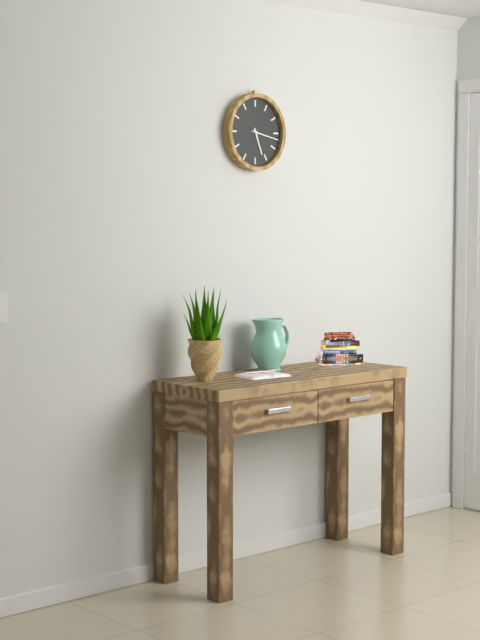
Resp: 5,17
